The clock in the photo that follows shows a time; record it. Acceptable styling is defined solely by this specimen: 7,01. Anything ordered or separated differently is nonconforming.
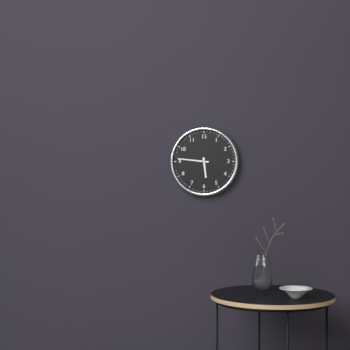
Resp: 5,46
